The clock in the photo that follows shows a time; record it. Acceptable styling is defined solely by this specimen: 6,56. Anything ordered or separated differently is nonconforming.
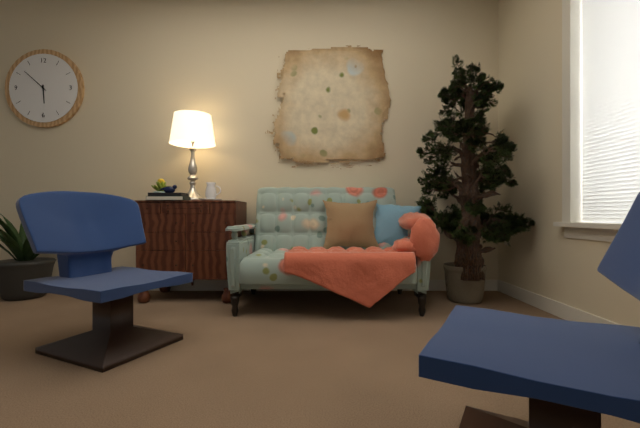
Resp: 5,52
